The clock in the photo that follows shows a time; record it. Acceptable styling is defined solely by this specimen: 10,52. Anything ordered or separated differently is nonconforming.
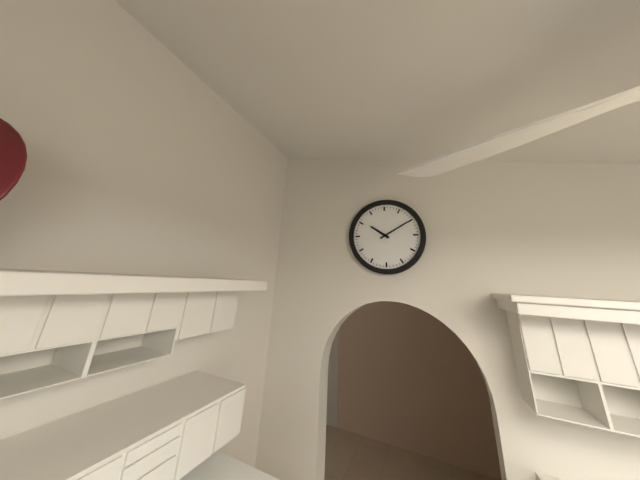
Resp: 10,10
